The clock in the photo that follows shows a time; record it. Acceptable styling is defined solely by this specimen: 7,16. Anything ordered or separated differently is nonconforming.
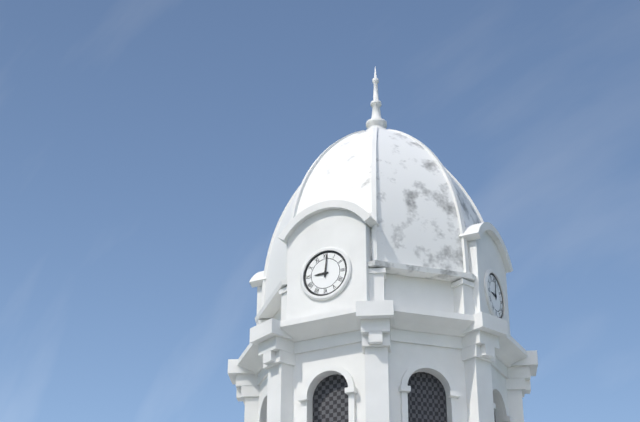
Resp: 9,01
